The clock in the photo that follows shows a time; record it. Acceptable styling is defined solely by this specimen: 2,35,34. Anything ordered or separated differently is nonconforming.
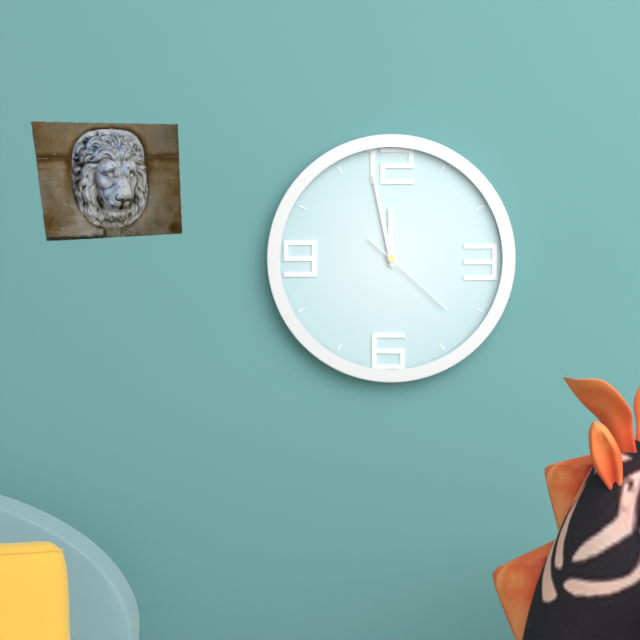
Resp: 11,58,22
